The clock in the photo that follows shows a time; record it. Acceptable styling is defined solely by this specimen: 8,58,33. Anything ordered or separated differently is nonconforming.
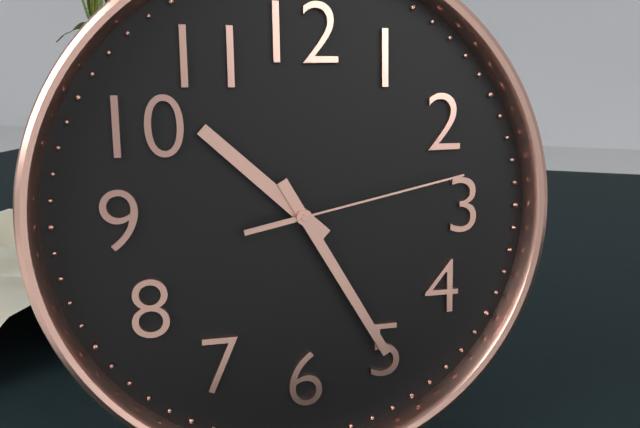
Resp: 10,25,13
